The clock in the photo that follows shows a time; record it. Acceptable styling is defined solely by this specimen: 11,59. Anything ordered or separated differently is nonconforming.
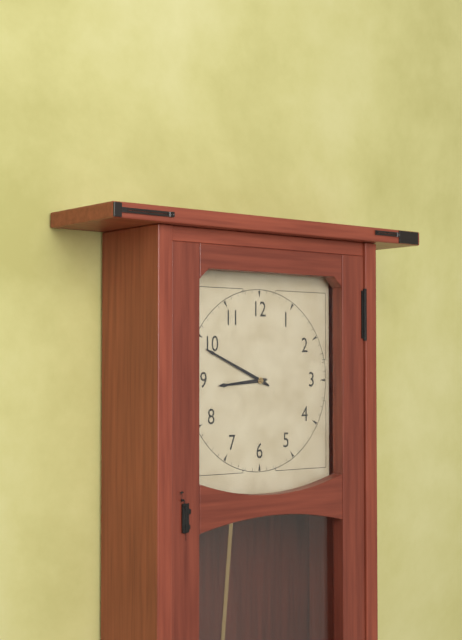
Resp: 8,49
